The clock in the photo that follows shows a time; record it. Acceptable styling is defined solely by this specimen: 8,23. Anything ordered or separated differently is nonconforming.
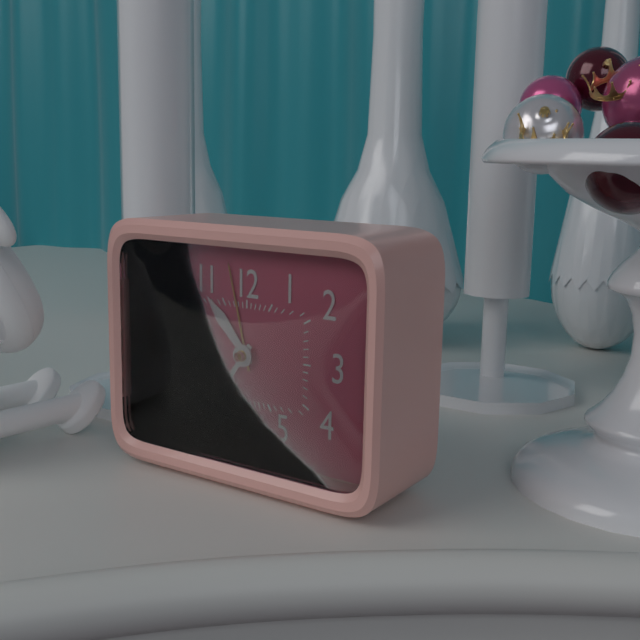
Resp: 10,36
